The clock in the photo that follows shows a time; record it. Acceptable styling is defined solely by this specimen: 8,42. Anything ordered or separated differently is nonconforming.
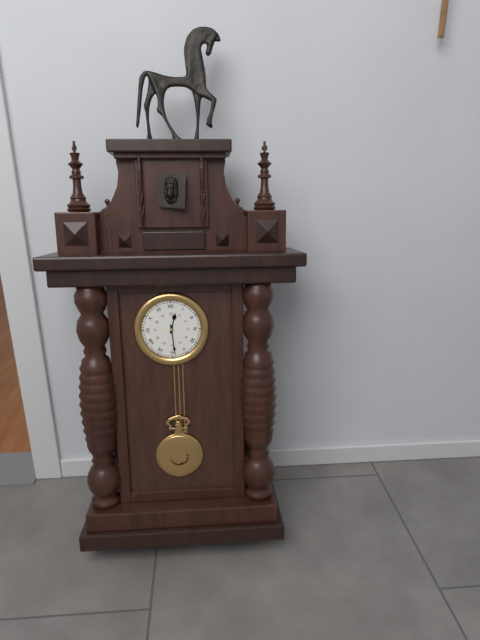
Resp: 12,29
